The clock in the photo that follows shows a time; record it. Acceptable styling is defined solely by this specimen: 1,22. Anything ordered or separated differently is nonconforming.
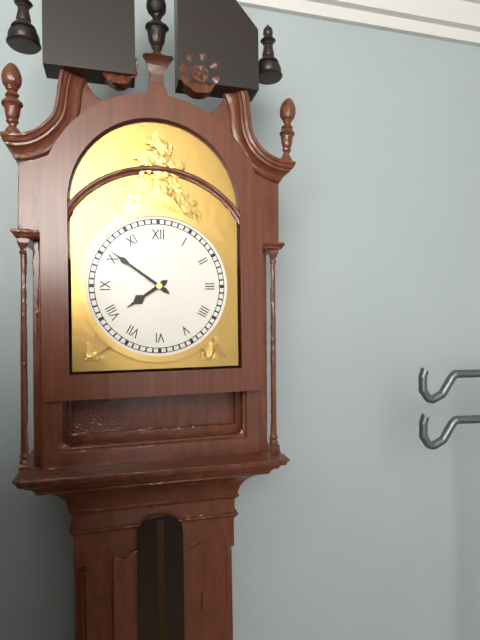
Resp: 7,51
